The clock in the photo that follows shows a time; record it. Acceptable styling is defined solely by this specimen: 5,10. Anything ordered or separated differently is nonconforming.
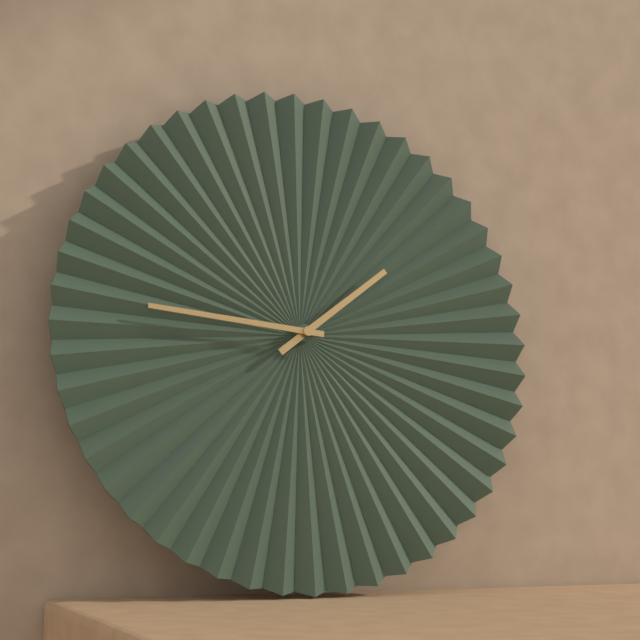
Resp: 1,46
